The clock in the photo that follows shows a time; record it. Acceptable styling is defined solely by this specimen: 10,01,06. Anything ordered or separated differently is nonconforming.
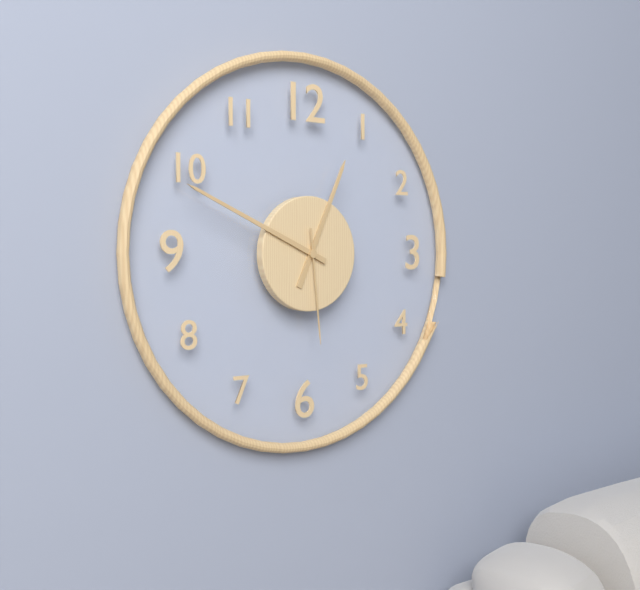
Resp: 12,49,29
